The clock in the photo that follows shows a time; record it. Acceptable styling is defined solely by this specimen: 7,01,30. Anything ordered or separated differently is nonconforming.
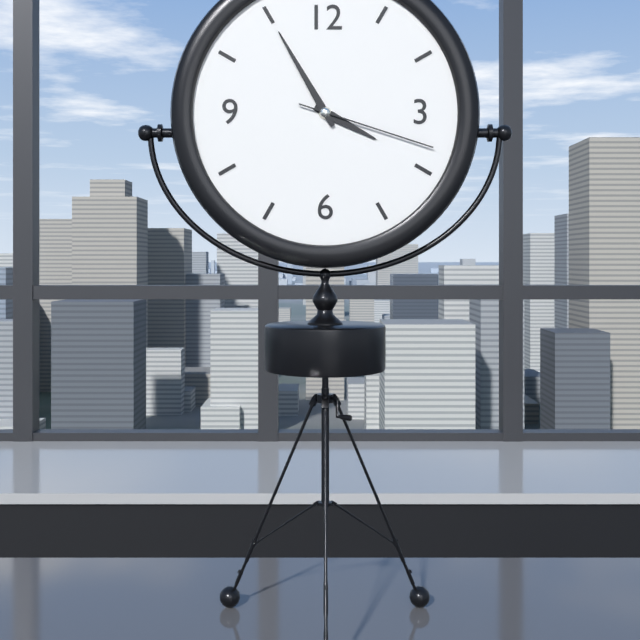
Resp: 3,55,18
